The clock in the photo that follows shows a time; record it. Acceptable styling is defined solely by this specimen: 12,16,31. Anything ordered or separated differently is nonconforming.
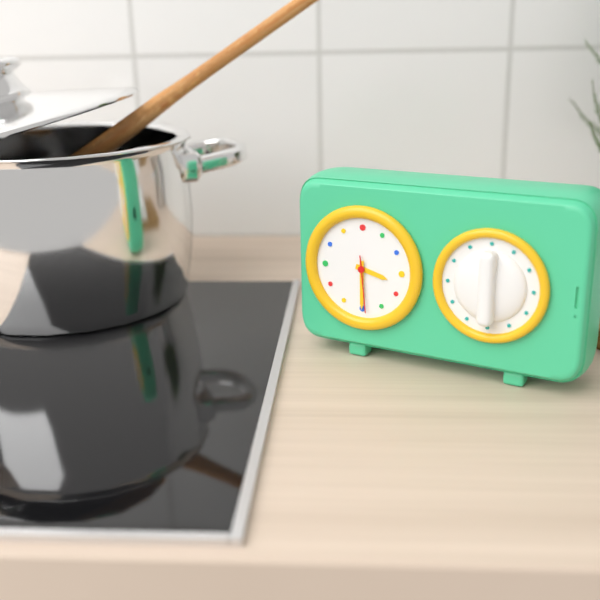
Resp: 3,30,29
